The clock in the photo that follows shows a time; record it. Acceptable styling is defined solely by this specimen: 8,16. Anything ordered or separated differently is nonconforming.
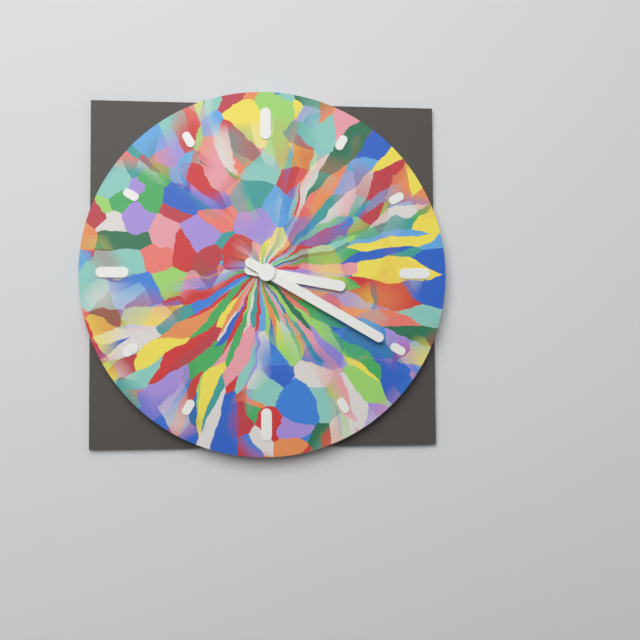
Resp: 3,20
